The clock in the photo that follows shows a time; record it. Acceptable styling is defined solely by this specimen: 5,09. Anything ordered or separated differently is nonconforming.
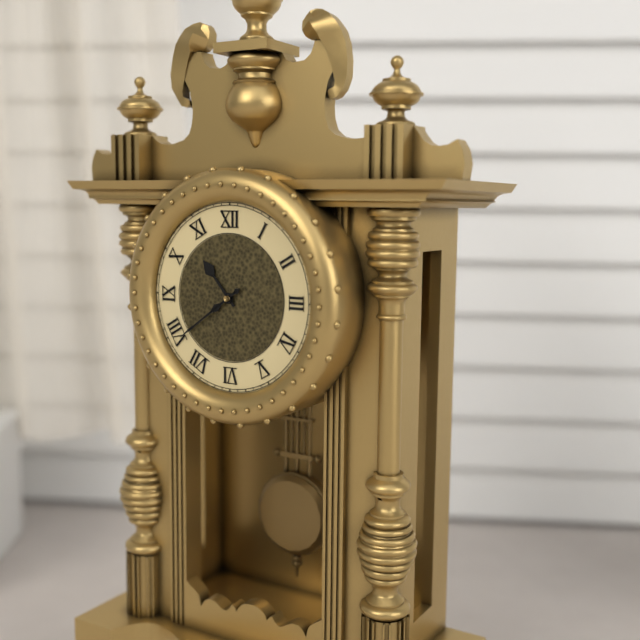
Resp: 10,39
